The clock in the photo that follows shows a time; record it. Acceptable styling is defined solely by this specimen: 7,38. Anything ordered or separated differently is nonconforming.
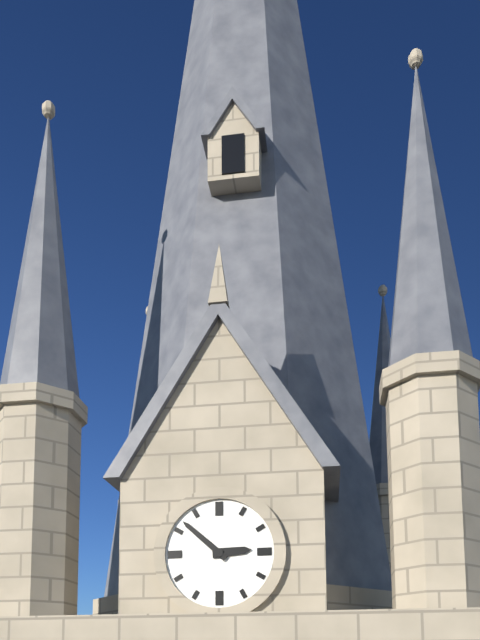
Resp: 2,52
